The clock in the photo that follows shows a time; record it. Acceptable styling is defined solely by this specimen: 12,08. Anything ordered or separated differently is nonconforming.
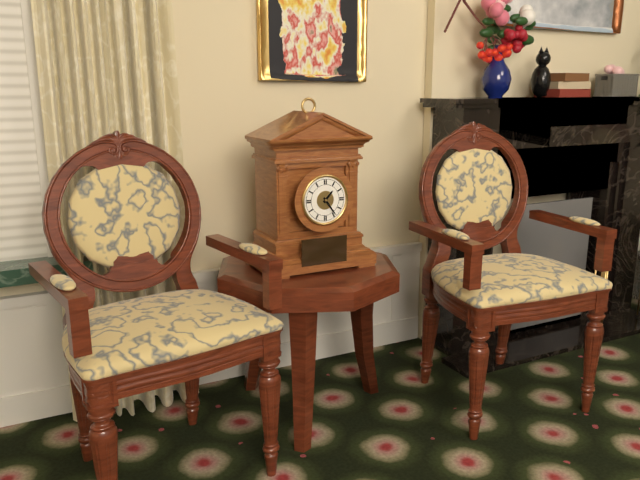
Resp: 1,24
